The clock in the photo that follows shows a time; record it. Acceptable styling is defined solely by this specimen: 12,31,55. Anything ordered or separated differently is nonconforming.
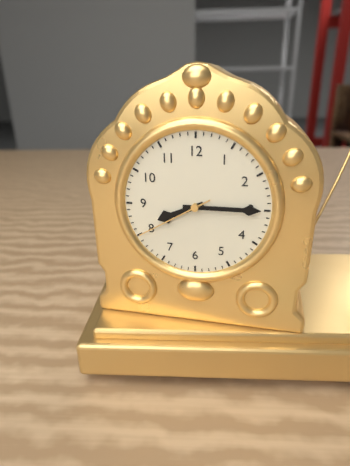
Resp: 8,15,40
